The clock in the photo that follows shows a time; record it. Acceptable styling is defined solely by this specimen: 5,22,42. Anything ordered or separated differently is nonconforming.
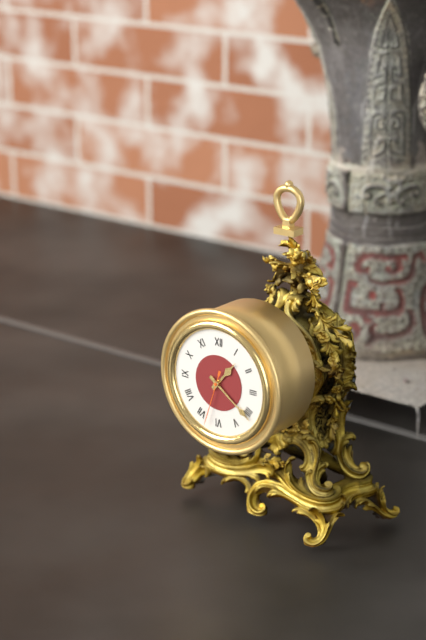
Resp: 1,21,33
